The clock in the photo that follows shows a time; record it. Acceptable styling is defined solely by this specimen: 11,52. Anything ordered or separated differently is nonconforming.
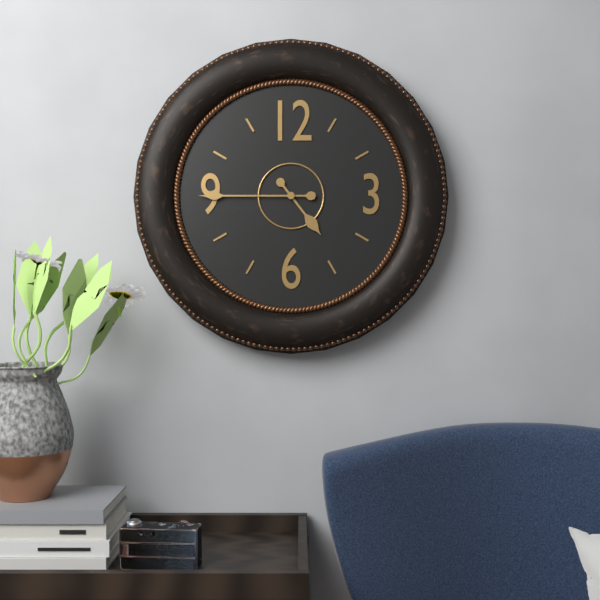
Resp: 4,45
